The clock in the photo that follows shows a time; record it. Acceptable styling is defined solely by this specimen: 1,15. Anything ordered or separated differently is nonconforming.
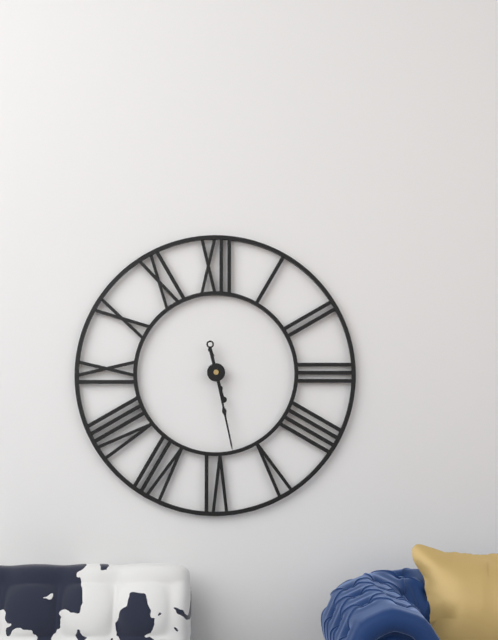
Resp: 5,28
